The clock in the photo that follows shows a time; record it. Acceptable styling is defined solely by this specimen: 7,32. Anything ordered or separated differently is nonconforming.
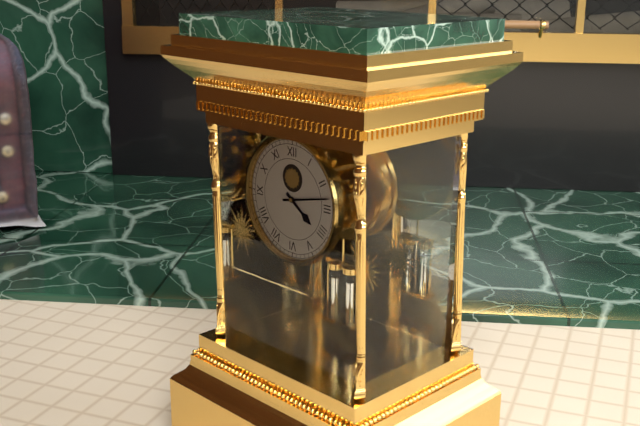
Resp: 4,13
